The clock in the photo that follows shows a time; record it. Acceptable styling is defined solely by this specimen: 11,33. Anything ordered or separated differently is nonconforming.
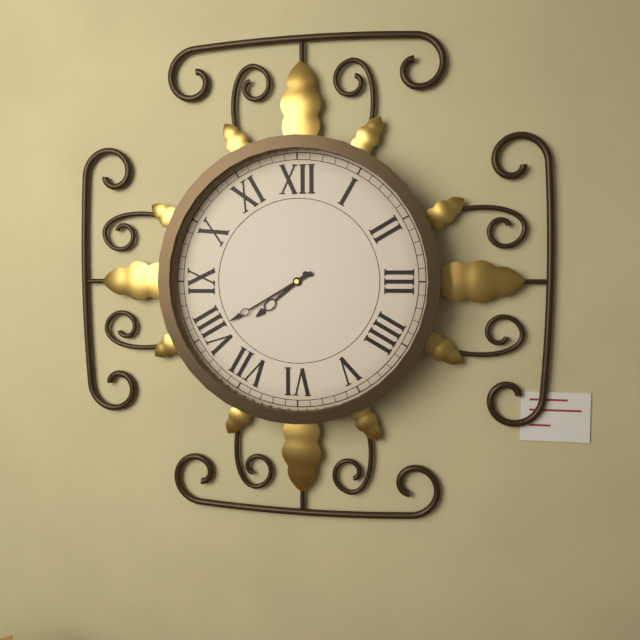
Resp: 7,40
